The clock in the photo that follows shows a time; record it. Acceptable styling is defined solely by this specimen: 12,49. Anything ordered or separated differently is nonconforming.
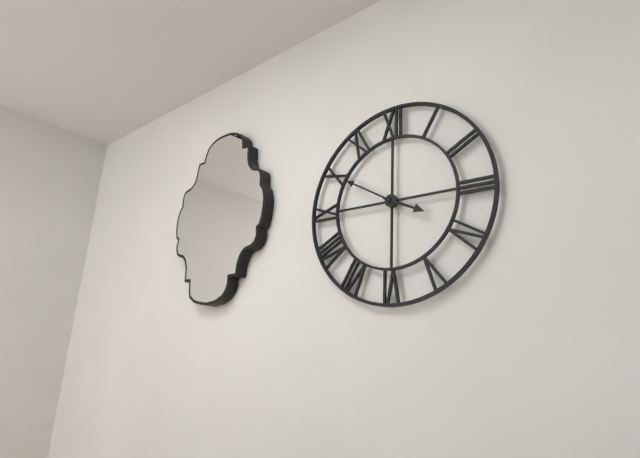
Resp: 3,50
